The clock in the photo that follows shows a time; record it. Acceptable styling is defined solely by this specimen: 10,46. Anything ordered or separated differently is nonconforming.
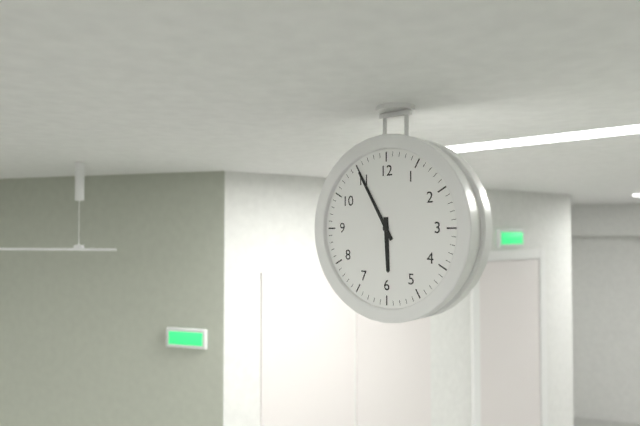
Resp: 5,55
